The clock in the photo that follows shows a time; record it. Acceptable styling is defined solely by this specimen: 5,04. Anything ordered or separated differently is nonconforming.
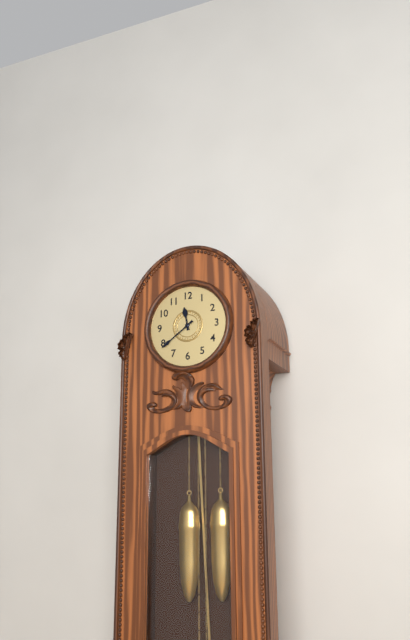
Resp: 11,39
